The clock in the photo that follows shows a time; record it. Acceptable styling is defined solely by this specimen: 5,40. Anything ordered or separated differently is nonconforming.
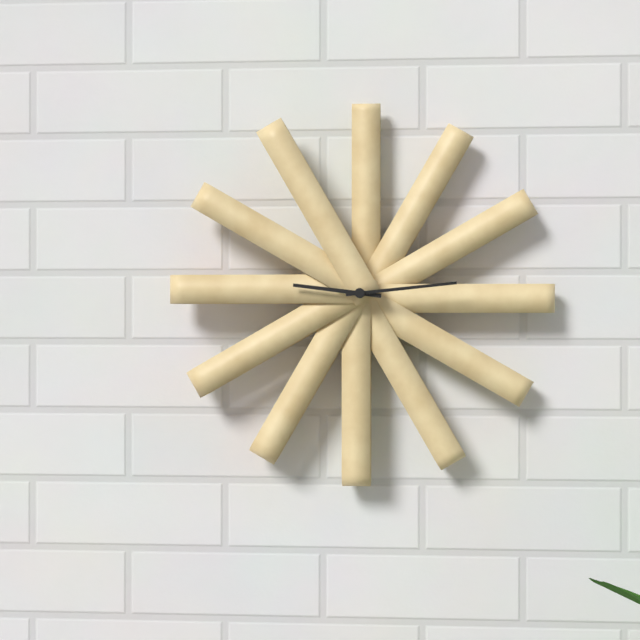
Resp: 9,14
